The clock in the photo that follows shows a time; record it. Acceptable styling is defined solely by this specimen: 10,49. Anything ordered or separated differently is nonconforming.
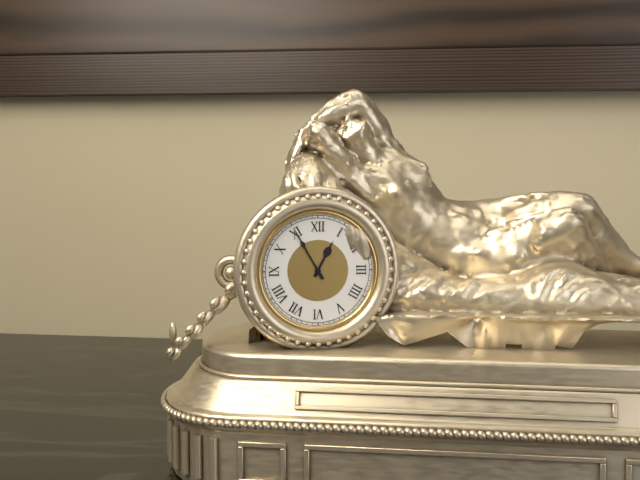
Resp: 12,55
